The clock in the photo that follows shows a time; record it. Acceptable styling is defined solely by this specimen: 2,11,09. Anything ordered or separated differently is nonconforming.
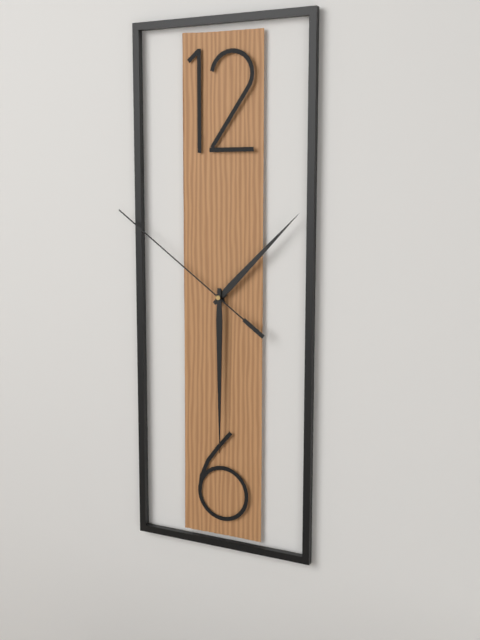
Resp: 1,30,51
